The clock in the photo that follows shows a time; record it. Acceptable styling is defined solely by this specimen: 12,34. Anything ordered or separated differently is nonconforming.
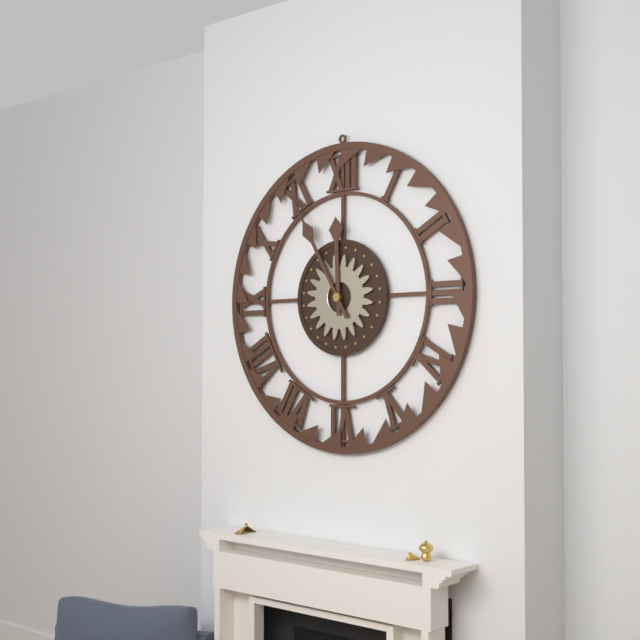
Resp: 11,55
